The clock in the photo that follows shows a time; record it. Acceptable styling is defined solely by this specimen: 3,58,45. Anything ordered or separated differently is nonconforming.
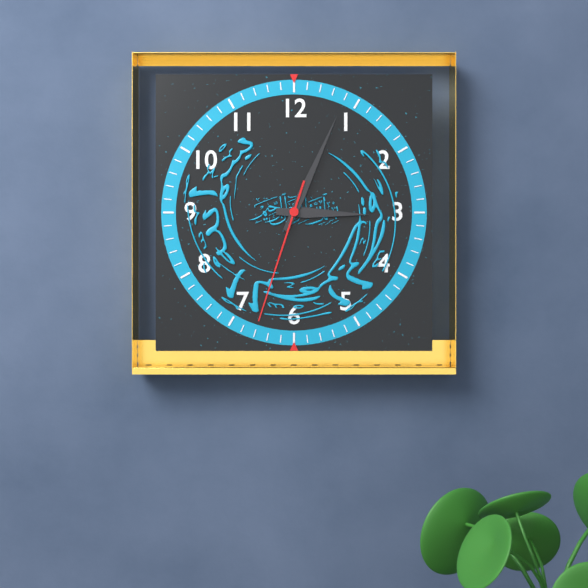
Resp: 3,04,33
